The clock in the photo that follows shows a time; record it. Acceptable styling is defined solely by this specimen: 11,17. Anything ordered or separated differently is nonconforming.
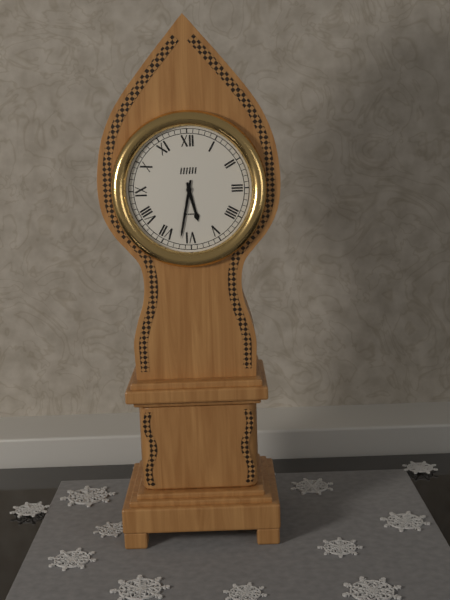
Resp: 5,32
